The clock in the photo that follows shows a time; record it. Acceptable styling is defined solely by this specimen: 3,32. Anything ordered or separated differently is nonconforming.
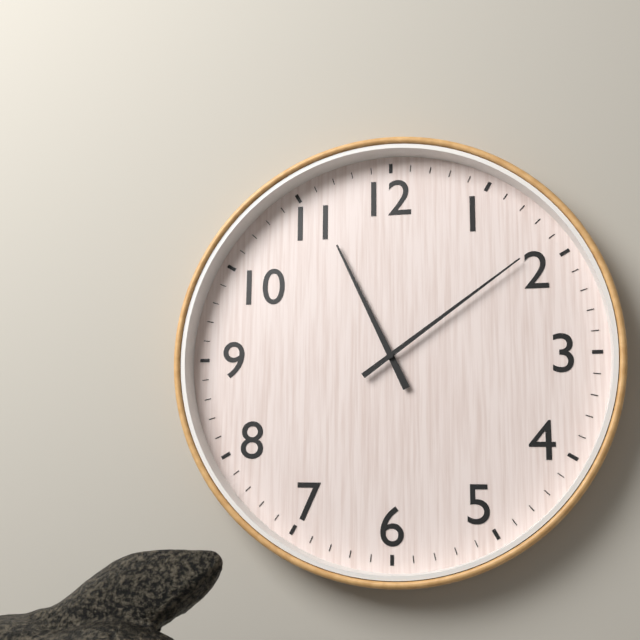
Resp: 11,09
